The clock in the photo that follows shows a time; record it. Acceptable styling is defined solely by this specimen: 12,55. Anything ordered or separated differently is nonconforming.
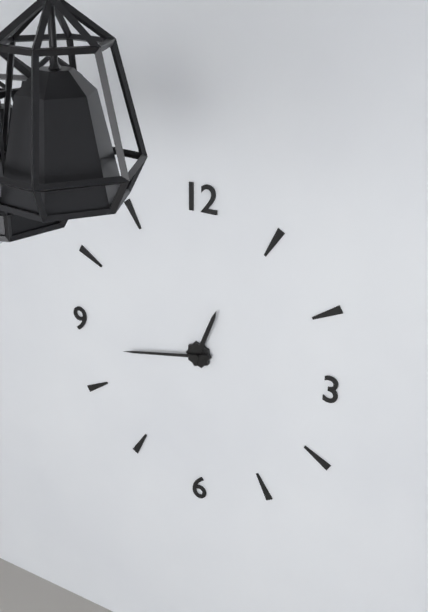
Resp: 12,43
